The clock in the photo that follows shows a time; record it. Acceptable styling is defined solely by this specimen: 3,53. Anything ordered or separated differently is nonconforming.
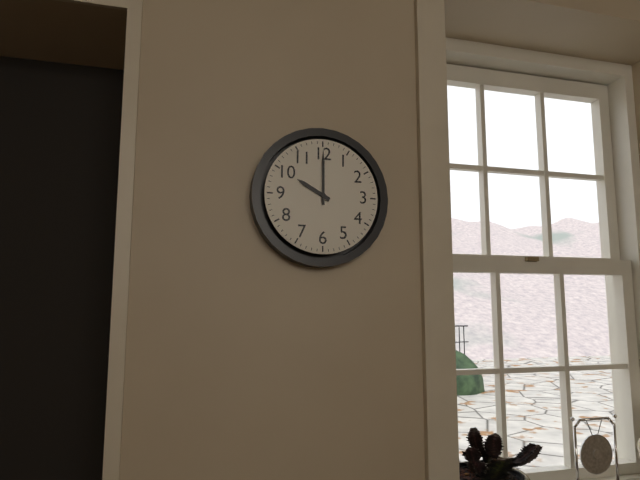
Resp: 10,00
